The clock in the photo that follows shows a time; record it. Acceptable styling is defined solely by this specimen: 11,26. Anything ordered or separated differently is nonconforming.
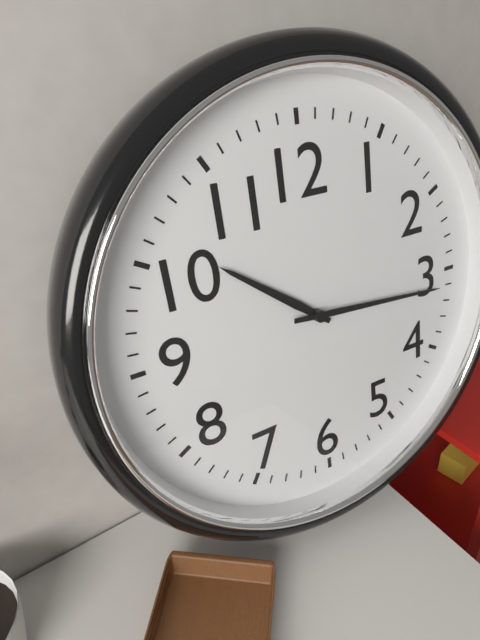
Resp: 10,16
